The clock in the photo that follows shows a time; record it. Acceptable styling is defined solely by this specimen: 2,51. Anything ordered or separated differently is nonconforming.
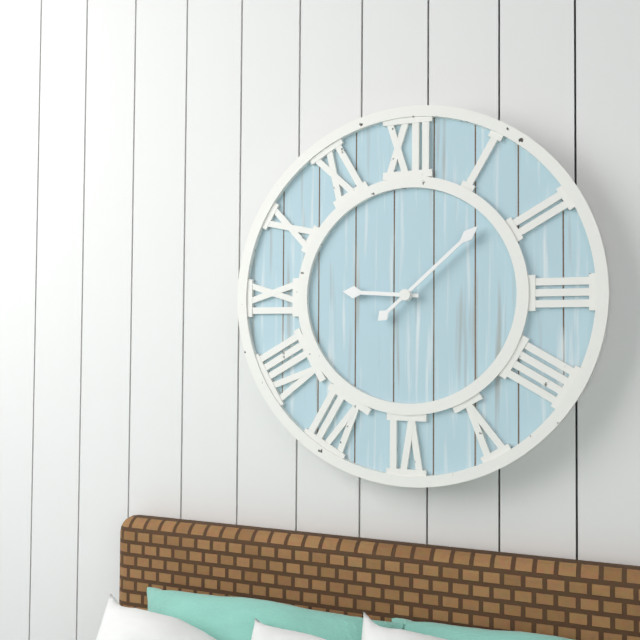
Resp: 9,08
